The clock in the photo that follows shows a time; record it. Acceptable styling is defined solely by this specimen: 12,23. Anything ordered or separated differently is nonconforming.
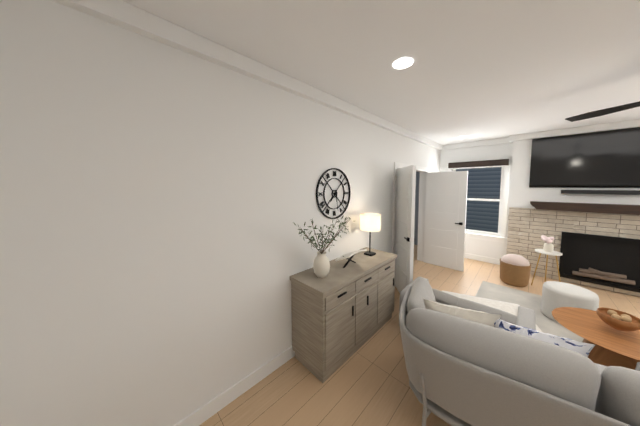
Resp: 7,28
